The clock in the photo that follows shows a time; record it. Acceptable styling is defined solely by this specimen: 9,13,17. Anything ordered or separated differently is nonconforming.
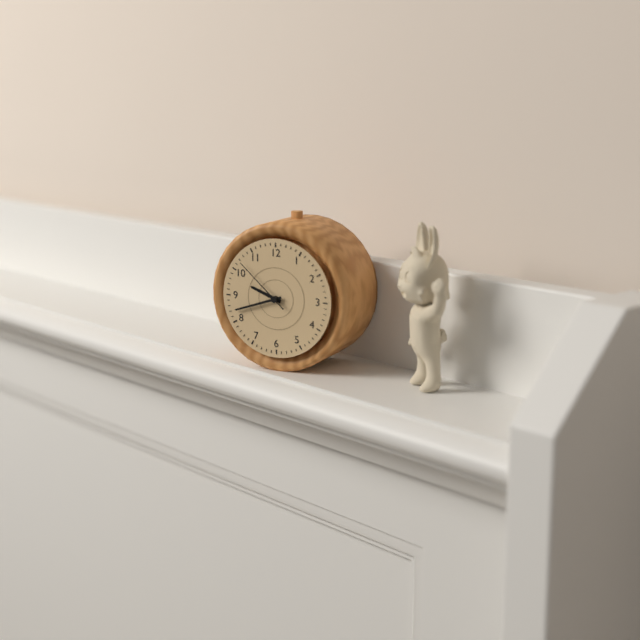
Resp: 9,42,52
